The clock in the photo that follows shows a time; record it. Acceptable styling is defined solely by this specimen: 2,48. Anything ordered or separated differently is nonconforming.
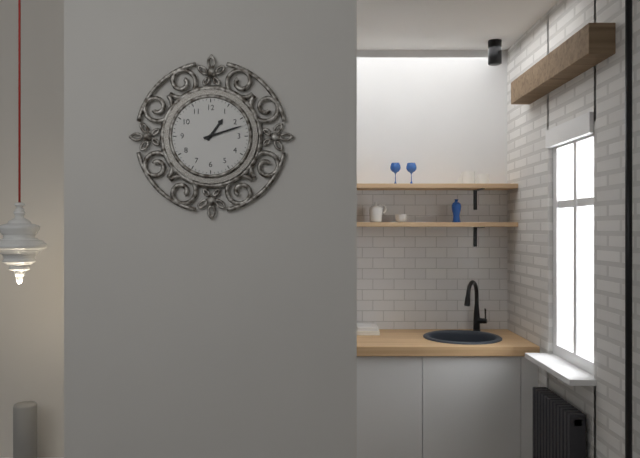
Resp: 1,12
